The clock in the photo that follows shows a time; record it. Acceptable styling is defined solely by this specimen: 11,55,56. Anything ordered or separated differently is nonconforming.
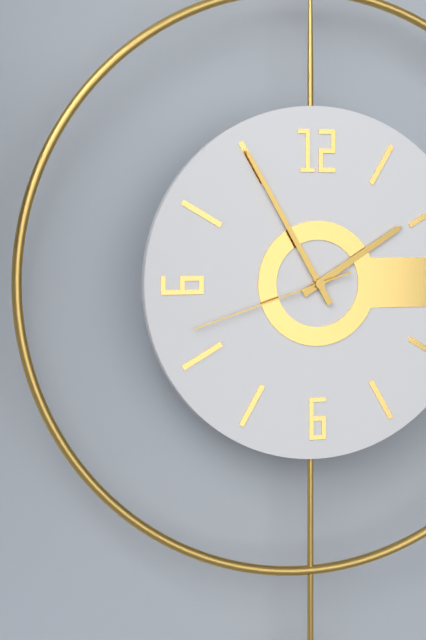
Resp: 1,55,42
